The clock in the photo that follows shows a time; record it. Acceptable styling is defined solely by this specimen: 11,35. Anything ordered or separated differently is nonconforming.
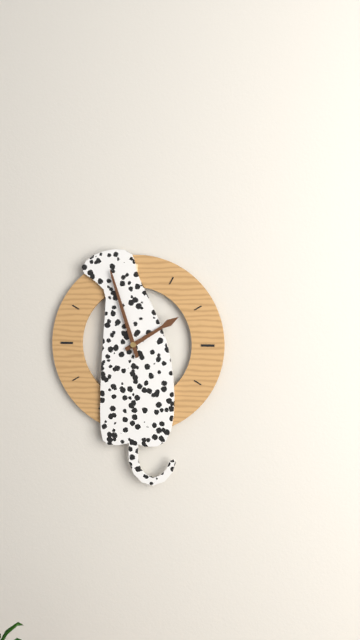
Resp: 1,57
